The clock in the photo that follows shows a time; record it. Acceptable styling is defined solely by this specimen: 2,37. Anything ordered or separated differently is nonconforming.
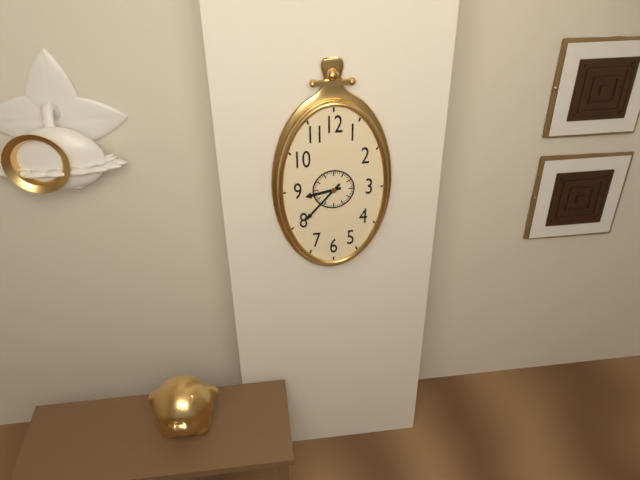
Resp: 8,37
